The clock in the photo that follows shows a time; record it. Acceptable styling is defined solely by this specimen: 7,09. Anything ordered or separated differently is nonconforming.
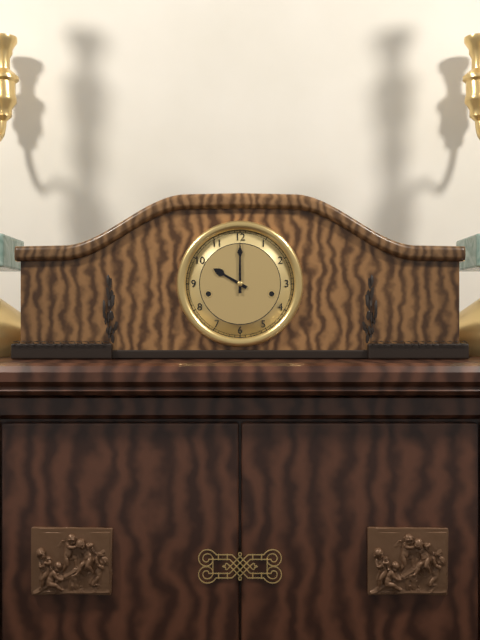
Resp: 10,00
